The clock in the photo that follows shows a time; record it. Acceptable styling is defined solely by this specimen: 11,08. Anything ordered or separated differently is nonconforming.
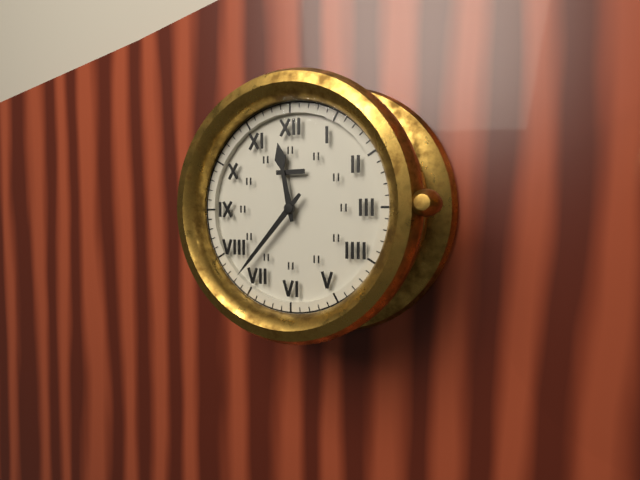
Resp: 11,37
